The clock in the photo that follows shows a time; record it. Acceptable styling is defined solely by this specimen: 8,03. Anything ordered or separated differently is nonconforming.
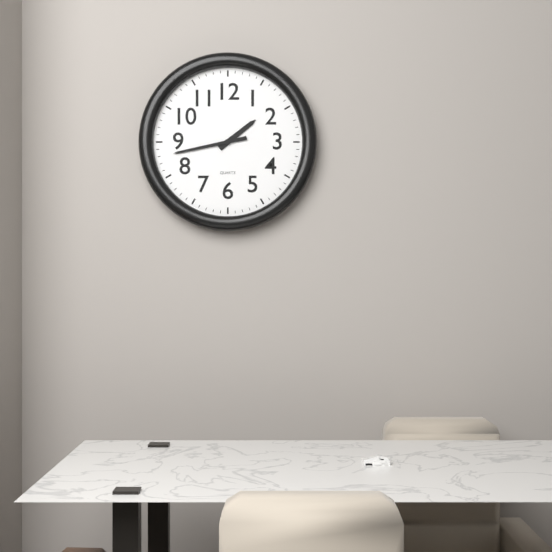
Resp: 1,43
